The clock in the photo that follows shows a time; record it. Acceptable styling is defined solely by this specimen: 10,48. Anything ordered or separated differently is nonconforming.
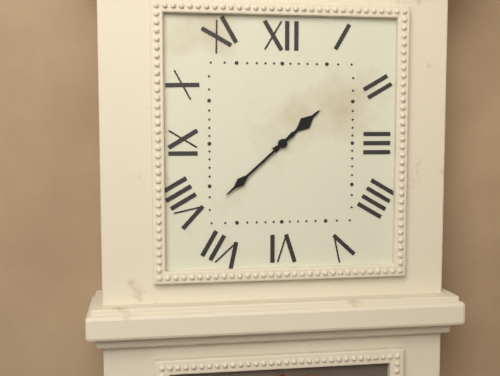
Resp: 1,38
